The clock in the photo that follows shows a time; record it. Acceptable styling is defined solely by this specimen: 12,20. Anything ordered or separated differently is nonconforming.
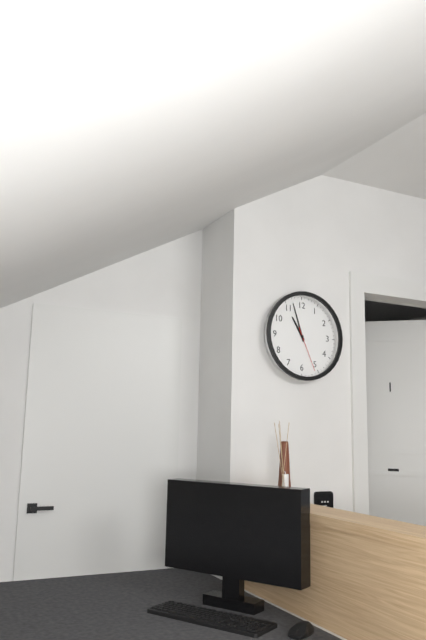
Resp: 10,57
